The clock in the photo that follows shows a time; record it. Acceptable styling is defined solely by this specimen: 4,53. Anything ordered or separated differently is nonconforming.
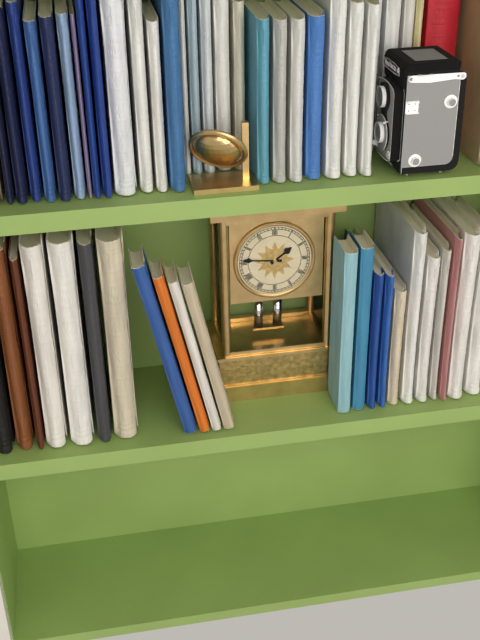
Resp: 1,46
